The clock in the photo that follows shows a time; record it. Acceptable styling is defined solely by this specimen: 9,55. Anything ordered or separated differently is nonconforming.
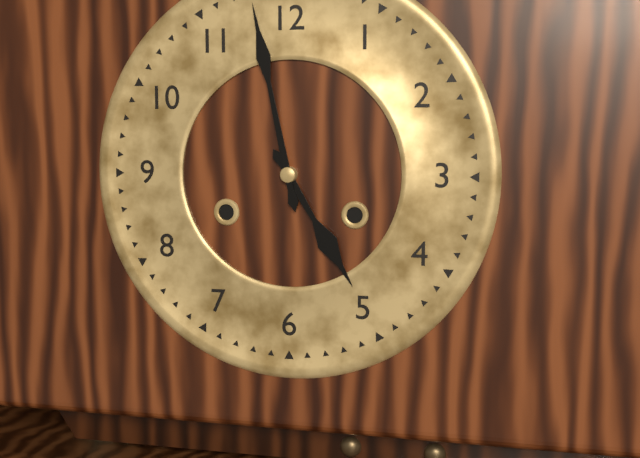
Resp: 4,58
